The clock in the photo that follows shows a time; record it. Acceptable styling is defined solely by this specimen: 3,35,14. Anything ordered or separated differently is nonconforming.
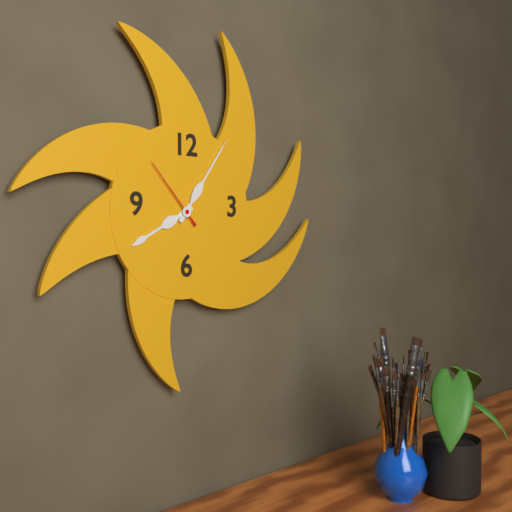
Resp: 8,06,53
